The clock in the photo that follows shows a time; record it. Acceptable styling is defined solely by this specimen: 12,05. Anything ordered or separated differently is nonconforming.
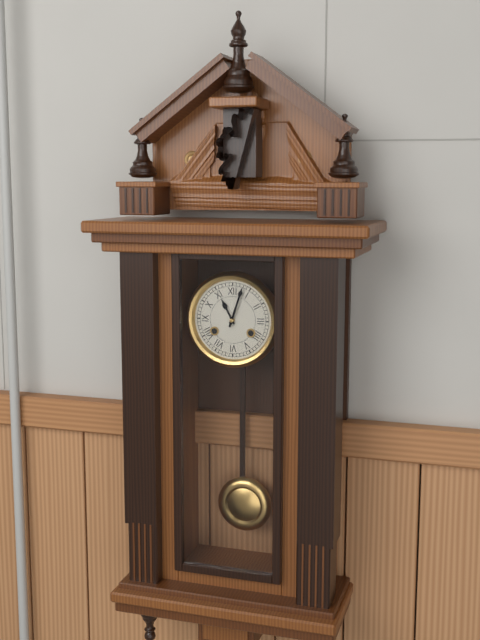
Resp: 11,03
